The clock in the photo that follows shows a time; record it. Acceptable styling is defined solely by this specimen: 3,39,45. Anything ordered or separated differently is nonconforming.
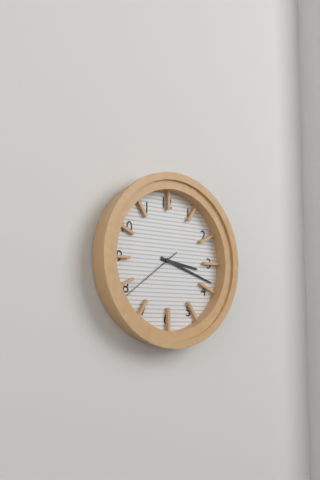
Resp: 3,18,39
